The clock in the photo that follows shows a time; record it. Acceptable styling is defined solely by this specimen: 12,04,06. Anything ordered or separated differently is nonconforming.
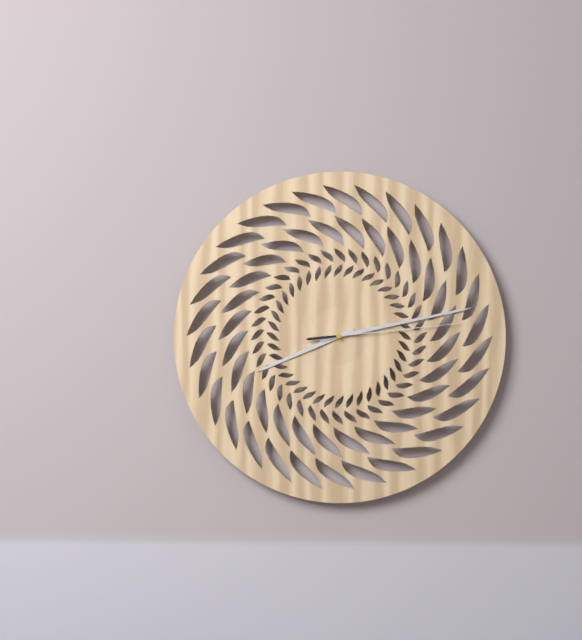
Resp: 8,13,14
